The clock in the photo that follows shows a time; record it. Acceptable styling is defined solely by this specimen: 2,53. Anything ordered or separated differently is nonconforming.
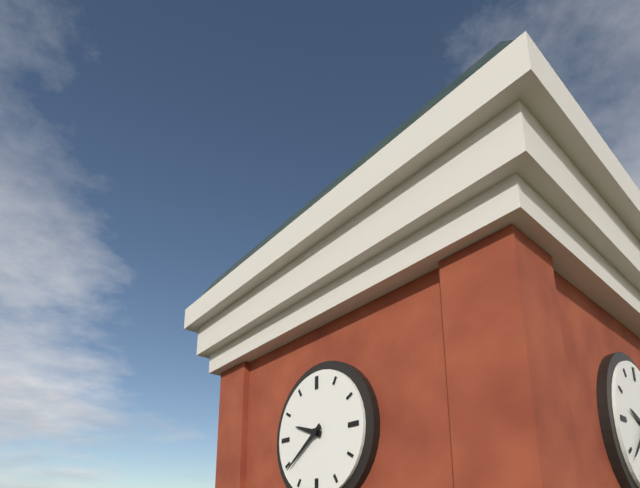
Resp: 9,39
